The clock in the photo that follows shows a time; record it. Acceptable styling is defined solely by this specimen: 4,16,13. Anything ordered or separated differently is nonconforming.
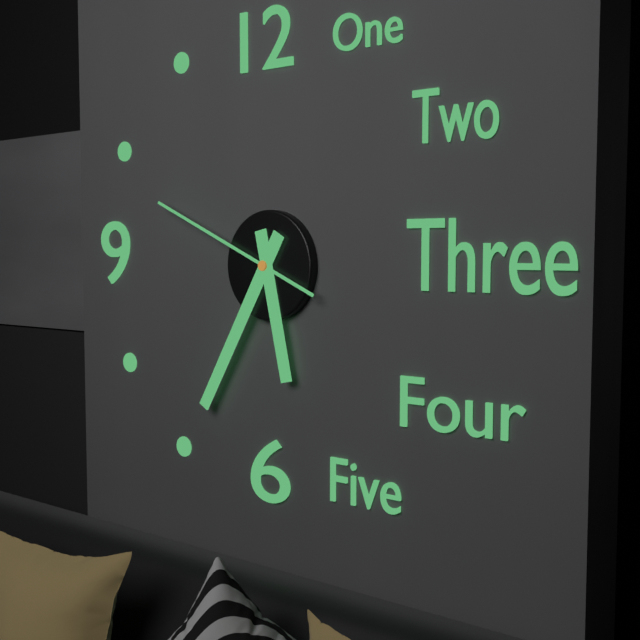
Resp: 5,35,49
